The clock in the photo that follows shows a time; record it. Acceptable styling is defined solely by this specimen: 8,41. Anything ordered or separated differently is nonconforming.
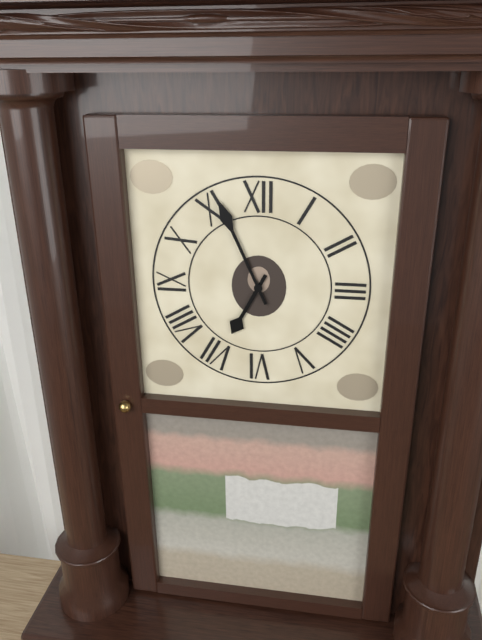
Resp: 6,56
